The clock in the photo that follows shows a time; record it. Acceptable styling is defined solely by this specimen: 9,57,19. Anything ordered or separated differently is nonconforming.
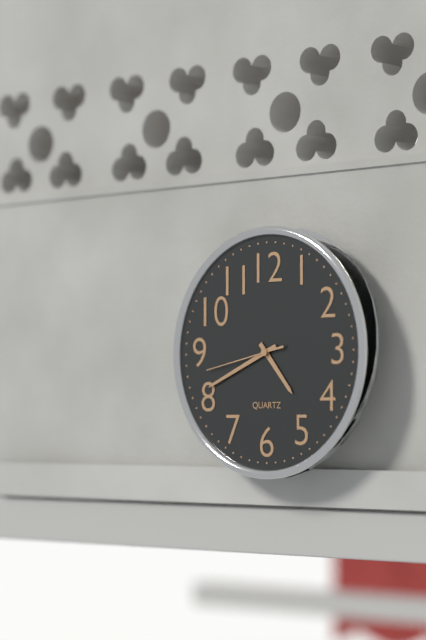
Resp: 4,41,43
